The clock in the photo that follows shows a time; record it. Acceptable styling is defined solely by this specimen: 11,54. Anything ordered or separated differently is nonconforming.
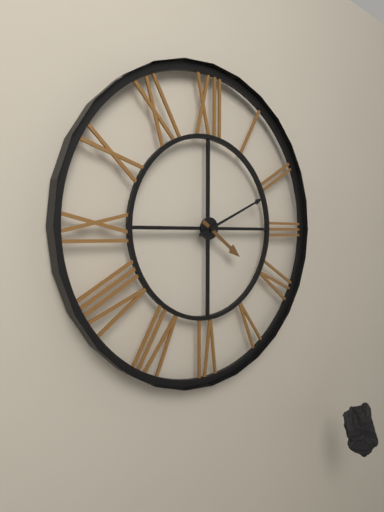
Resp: 4,11
